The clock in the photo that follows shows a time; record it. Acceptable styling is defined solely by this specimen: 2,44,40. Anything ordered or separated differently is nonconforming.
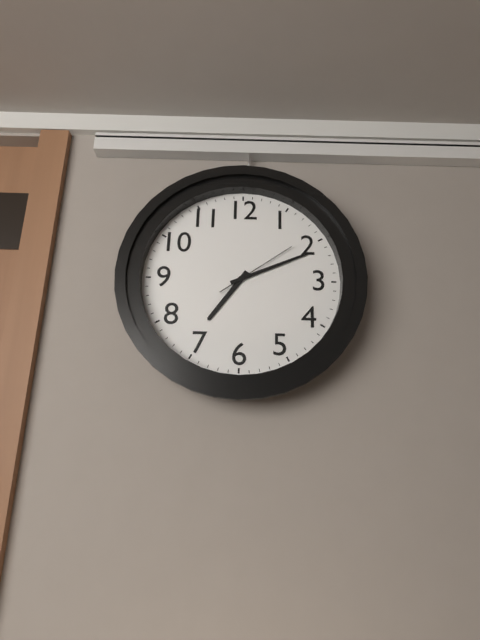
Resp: 7,11,09
